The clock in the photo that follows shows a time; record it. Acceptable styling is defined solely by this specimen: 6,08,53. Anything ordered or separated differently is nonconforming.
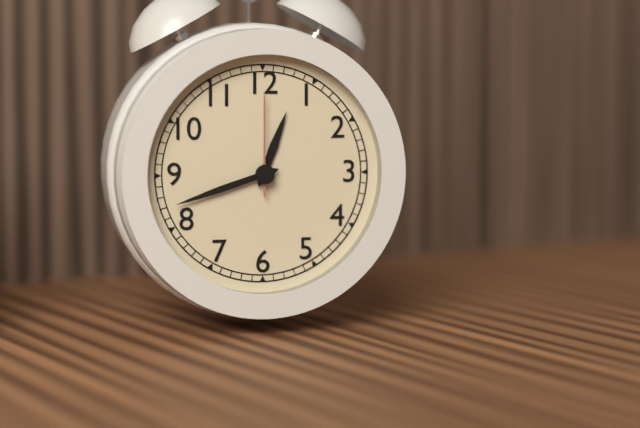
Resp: 12,42,00
